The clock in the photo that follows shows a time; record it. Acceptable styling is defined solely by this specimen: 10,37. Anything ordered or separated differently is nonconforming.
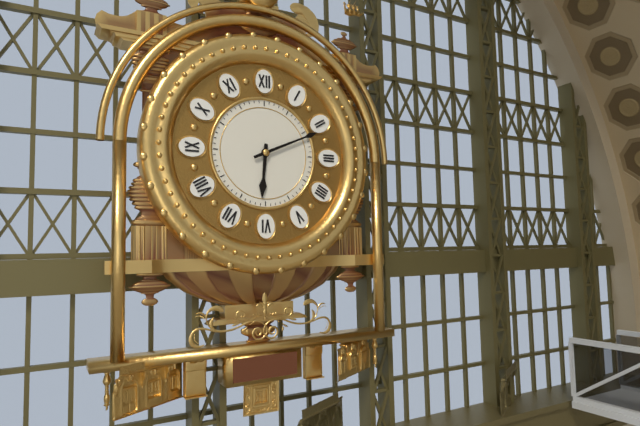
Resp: 6,11
